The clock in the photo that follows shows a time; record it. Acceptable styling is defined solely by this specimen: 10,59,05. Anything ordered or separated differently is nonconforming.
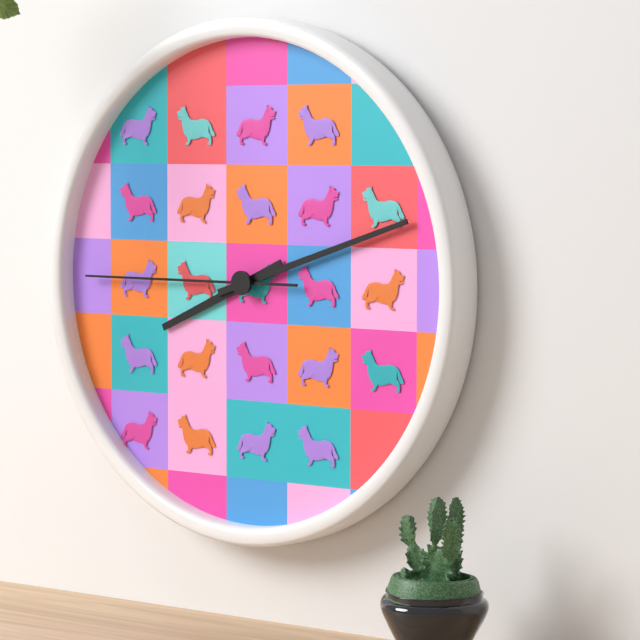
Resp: 8,12,45
